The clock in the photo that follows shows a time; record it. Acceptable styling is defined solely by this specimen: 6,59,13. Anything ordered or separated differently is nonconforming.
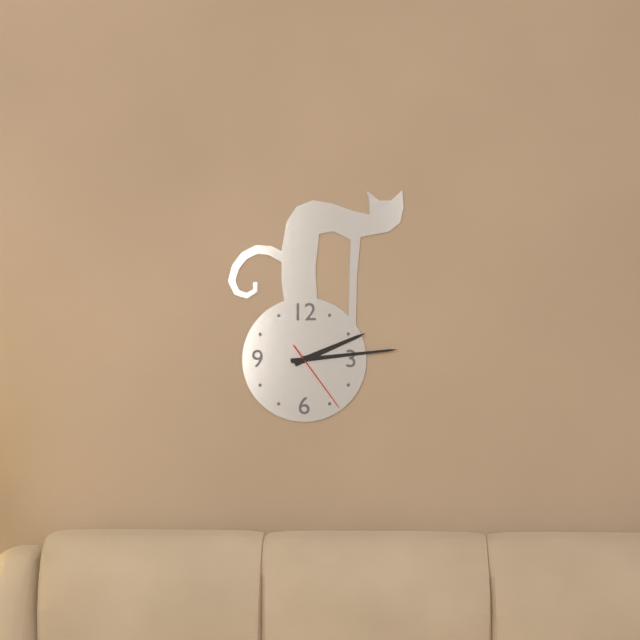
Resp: 2,14,24
